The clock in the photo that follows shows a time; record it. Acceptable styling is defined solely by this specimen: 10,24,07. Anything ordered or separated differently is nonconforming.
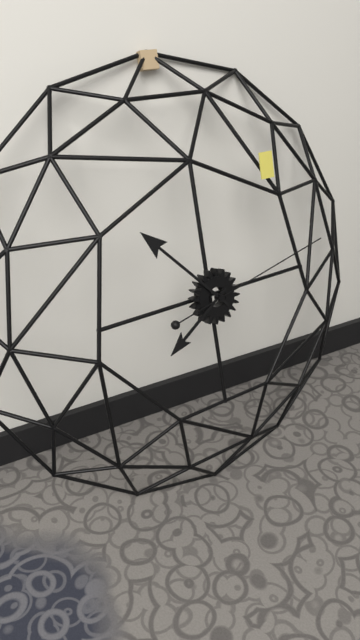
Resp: 7,53,13
